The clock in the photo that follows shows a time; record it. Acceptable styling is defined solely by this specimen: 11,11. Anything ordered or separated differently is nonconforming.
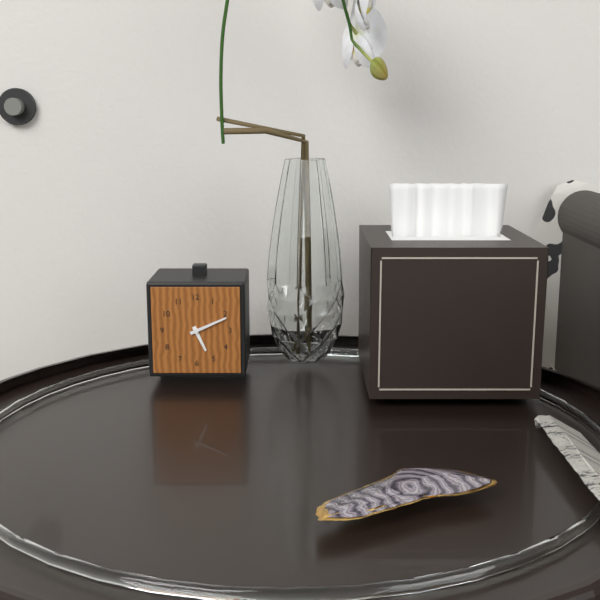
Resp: 5,11
